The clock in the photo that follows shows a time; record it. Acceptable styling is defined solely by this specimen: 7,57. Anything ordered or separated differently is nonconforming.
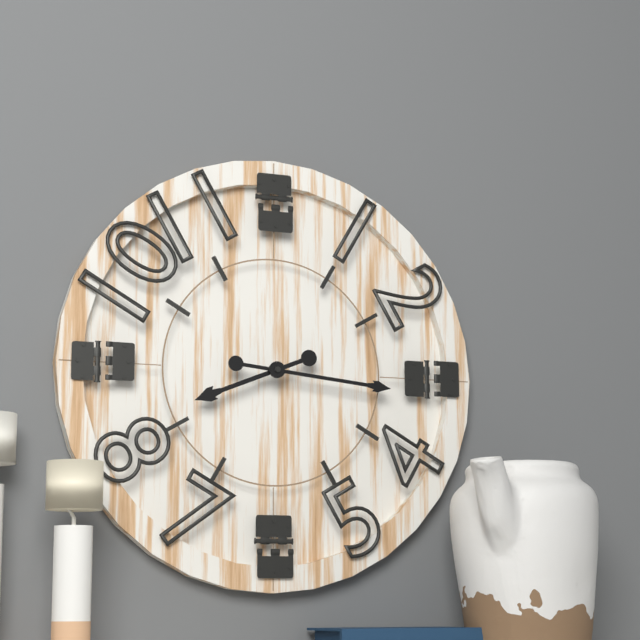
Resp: 8,16
